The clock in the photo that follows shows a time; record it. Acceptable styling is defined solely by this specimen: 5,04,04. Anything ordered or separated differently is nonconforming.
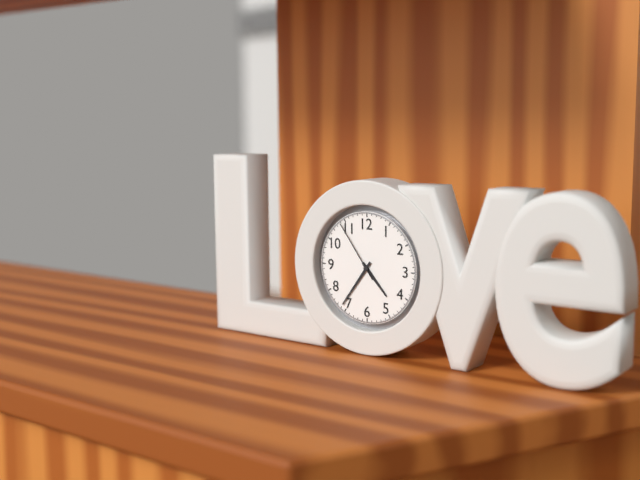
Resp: 4,36,54
